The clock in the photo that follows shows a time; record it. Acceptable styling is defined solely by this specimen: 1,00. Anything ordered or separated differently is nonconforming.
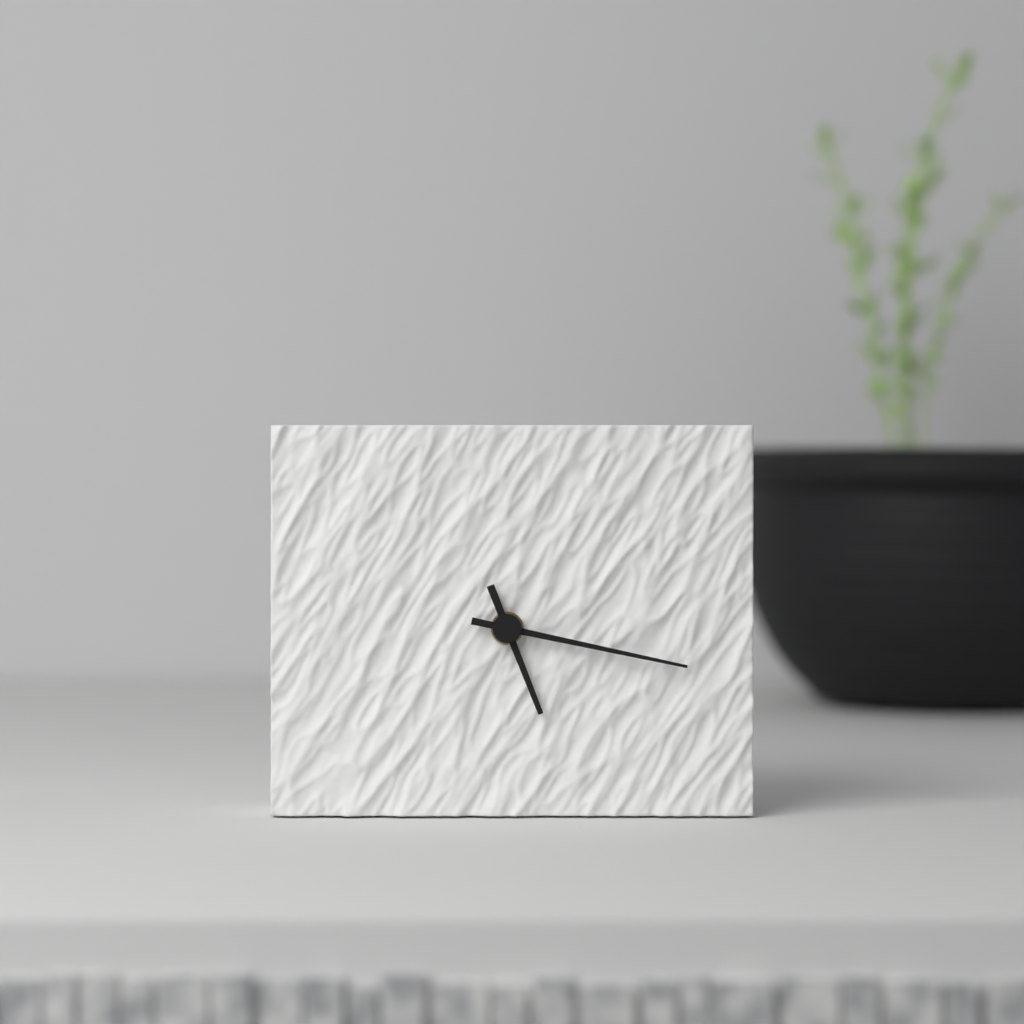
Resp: 5,17
